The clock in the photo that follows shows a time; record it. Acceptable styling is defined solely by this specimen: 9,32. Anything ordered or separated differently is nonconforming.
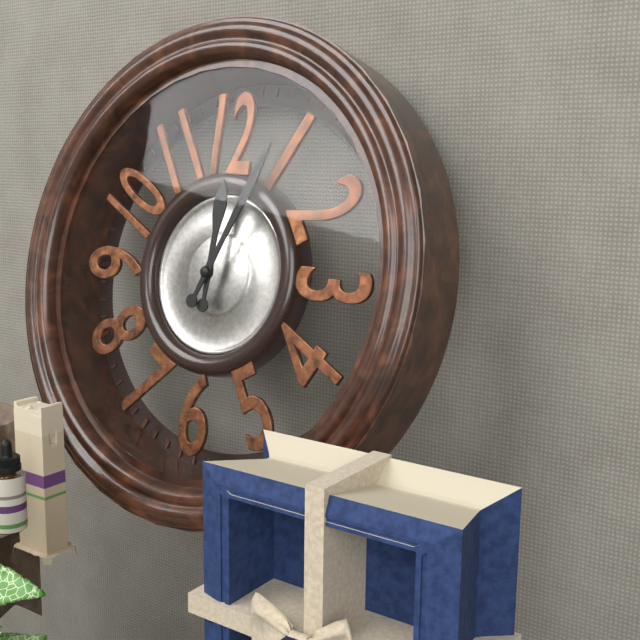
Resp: 12,04
